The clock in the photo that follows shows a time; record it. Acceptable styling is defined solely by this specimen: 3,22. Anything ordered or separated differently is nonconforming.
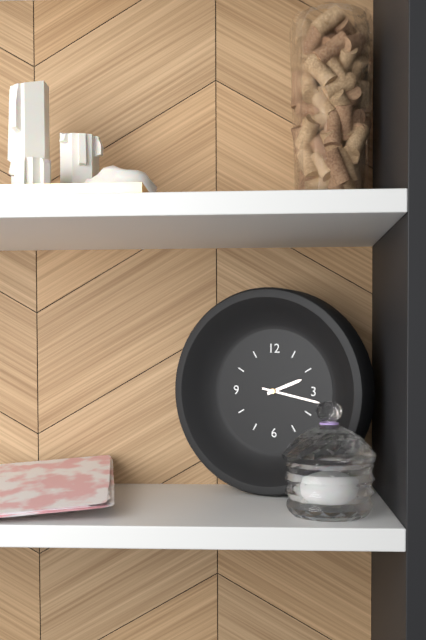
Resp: 2,17
